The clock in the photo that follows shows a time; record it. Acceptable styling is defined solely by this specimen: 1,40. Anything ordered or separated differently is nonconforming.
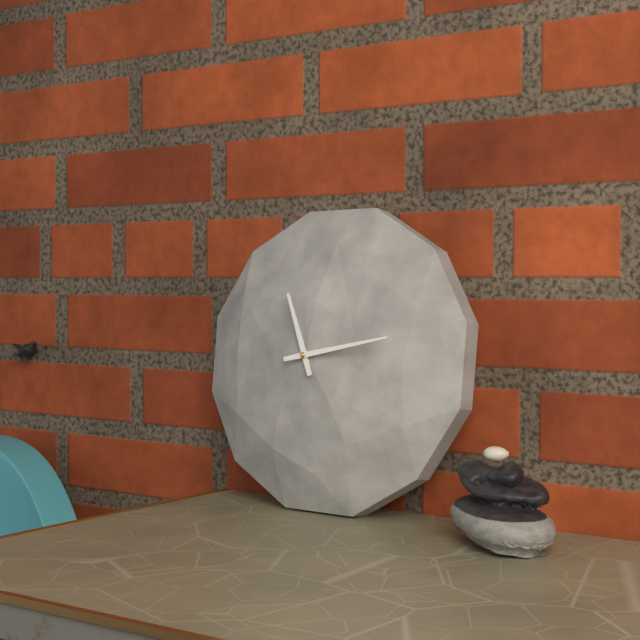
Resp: 11,13
